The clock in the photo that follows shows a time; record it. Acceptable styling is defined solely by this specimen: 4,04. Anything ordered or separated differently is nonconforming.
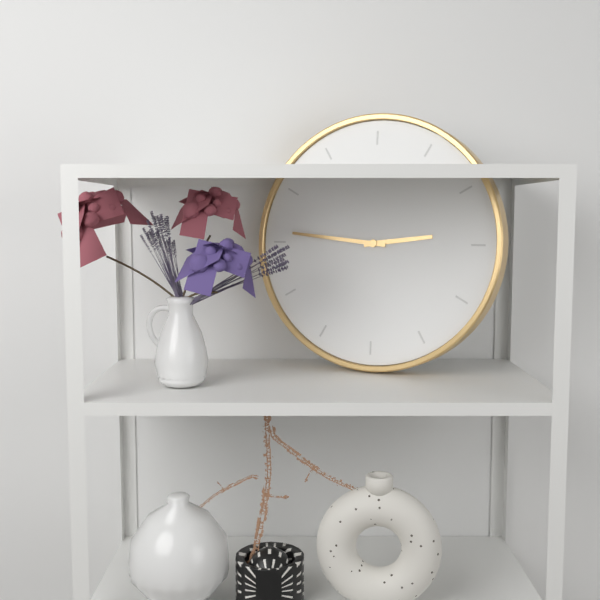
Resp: 2,46
